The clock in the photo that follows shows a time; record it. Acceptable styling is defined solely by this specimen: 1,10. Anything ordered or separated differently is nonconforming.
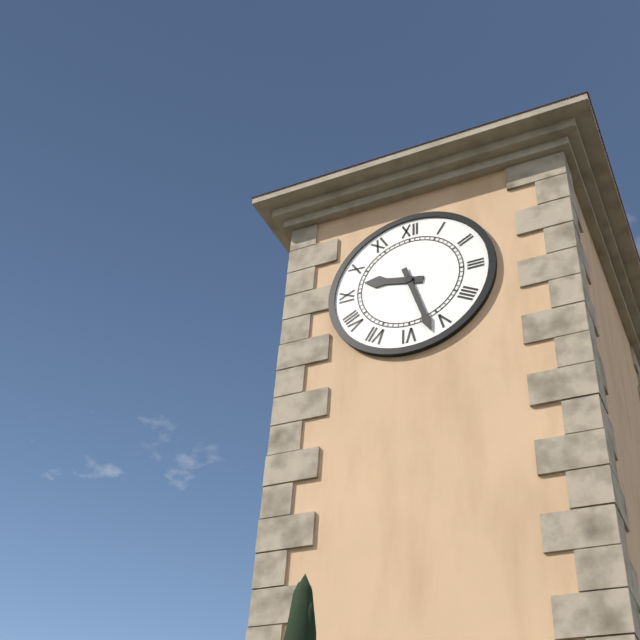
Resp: 9,27
